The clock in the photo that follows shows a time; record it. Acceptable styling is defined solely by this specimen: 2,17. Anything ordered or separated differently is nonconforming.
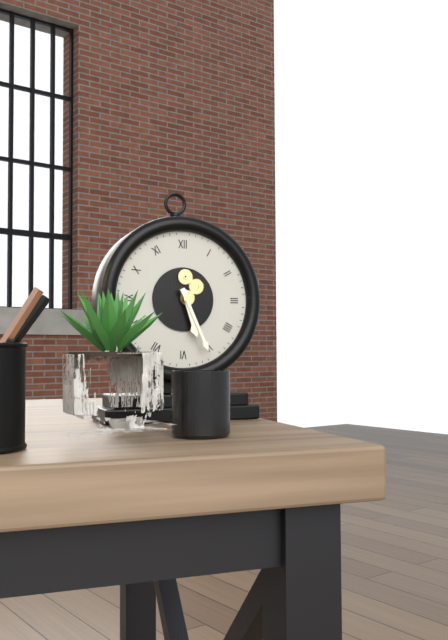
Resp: 5,26
